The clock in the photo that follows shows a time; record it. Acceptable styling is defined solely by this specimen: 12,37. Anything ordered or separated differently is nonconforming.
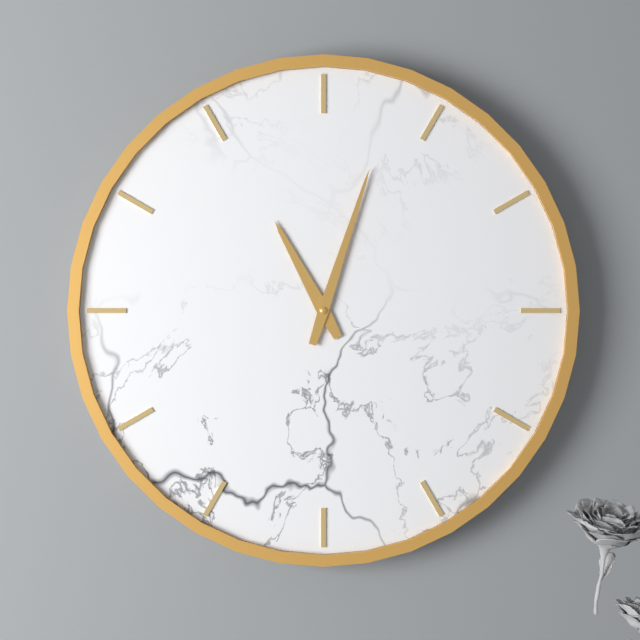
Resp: 11,03
